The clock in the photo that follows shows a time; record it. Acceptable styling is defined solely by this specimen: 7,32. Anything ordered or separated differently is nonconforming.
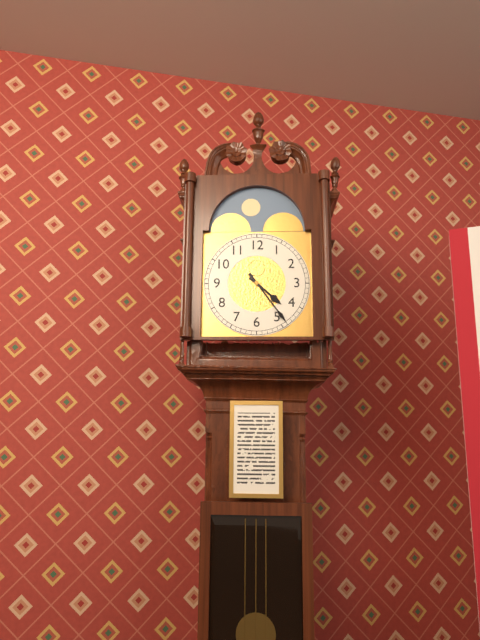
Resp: 4,24
